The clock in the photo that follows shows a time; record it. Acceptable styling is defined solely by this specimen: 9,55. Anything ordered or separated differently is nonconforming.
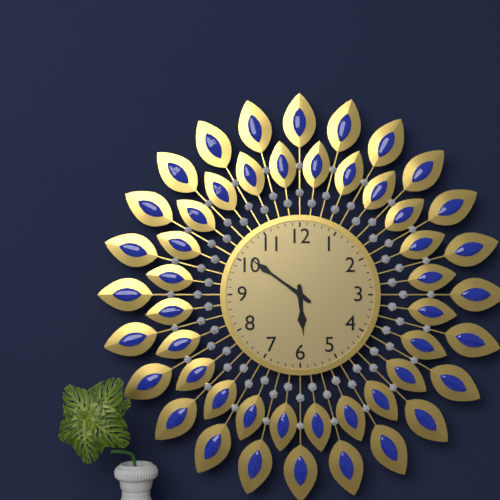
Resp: 5,51
